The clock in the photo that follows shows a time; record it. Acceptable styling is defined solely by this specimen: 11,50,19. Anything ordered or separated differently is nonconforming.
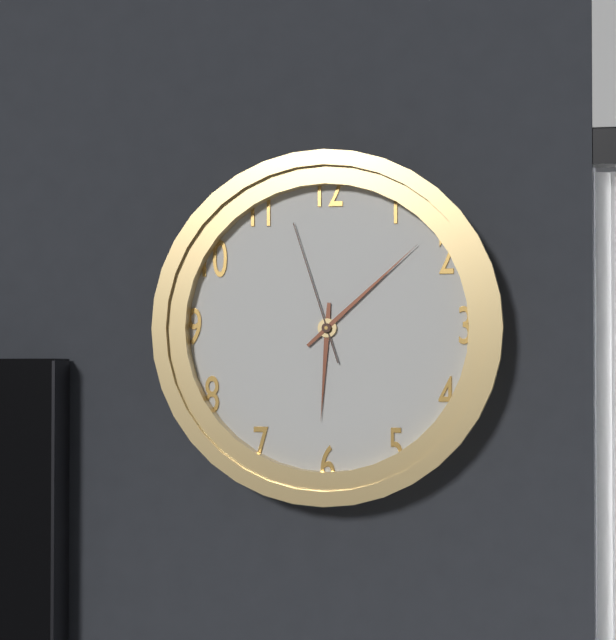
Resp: 6,08,57
